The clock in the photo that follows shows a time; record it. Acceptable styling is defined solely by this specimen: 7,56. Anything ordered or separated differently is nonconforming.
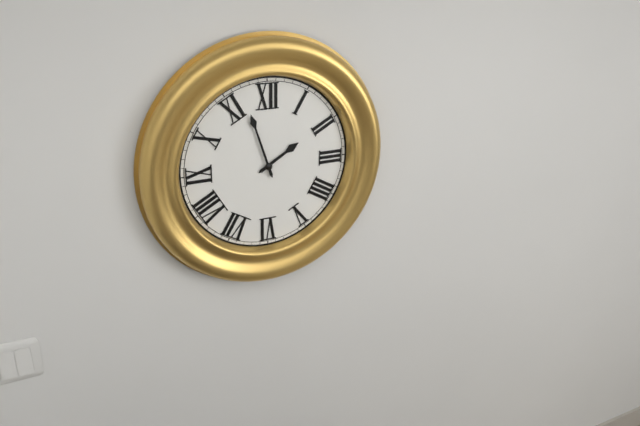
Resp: 1,57
